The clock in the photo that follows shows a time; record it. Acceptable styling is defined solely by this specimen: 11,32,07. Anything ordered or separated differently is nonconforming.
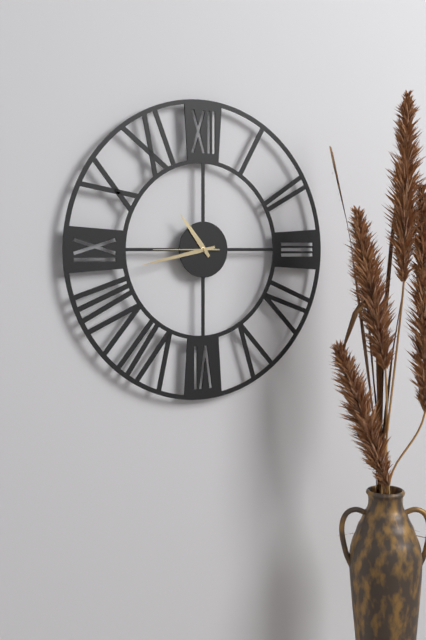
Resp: 10,43,45
